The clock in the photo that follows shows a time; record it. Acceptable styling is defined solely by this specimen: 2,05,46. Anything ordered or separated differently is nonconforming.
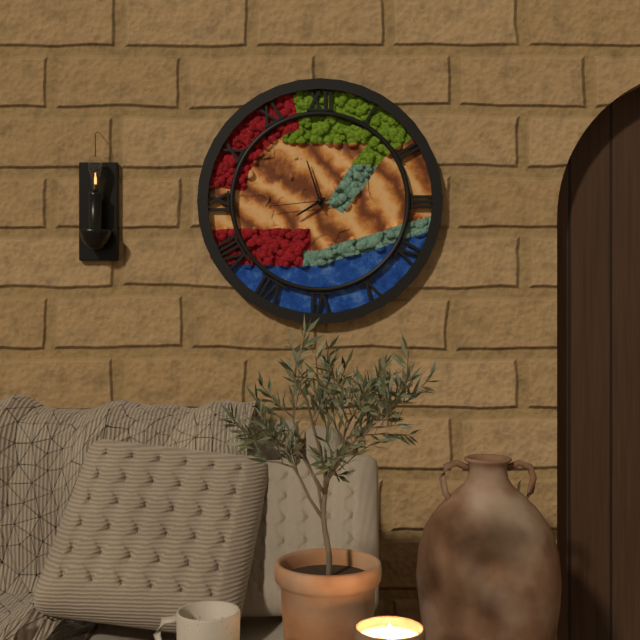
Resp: 7,57,44
